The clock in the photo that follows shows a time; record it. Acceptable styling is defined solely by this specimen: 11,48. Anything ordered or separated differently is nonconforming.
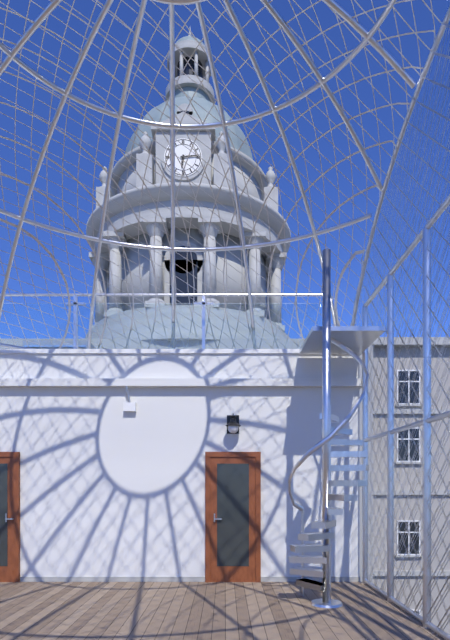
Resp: 6,14
